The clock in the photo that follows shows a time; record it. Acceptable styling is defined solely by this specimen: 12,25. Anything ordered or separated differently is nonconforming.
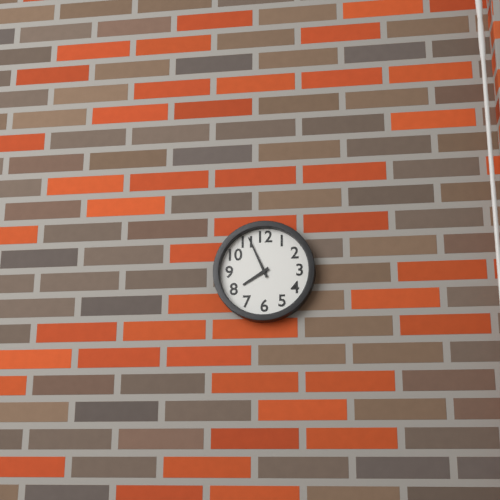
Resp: 7,56
